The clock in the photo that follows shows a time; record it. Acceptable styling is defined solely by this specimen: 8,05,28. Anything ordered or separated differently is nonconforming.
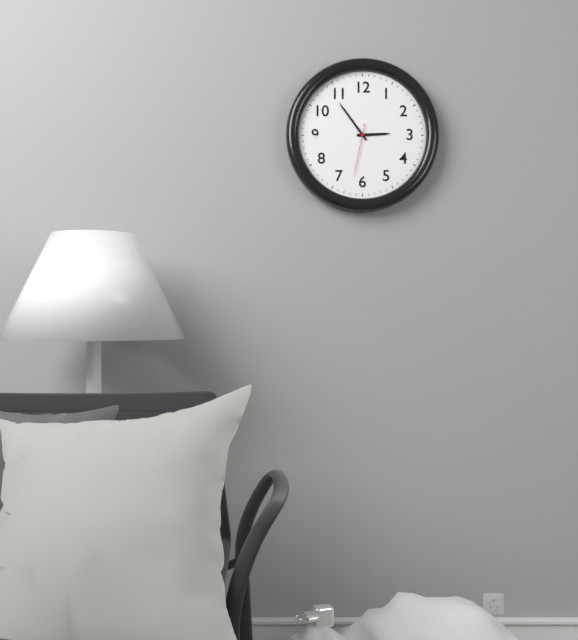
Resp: 2,54,32
